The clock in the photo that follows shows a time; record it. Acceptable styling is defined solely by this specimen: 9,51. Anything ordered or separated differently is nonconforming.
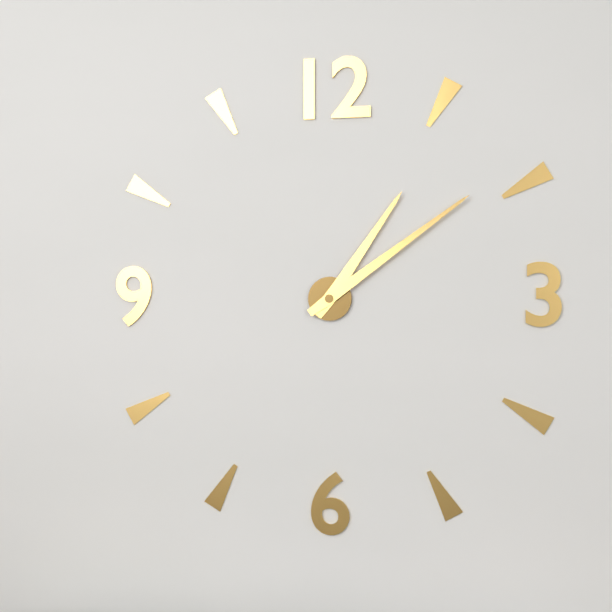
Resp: 1,09
